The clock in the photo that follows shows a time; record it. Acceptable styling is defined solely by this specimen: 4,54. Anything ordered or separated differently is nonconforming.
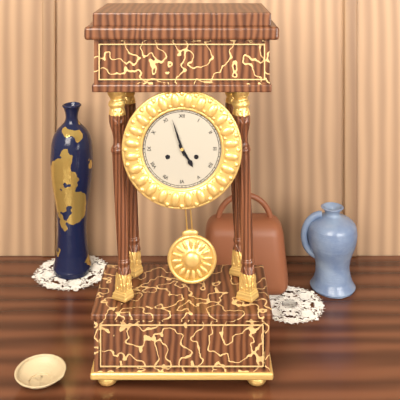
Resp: 4,57
